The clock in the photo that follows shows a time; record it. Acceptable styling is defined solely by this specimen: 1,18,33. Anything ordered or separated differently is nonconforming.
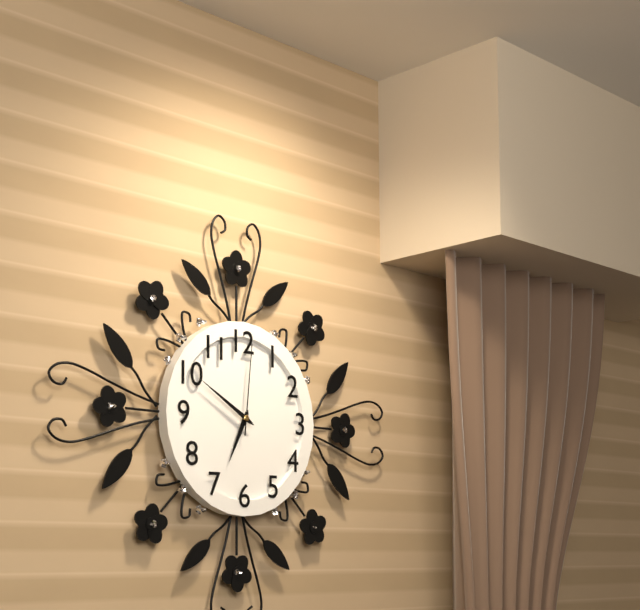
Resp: 6,50,01
